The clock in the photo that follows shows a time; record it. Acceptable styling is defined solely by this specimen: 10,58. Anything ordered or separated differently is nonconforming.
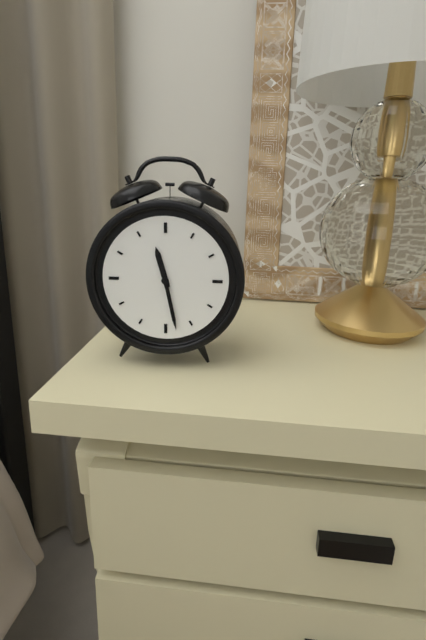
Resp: 11,28
